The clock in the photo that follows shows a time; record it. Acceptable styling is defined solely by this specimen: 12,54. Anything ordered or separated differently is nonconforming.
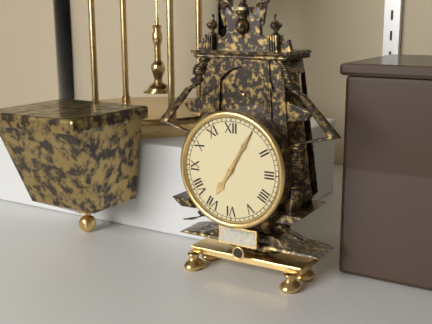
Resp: 7,05
